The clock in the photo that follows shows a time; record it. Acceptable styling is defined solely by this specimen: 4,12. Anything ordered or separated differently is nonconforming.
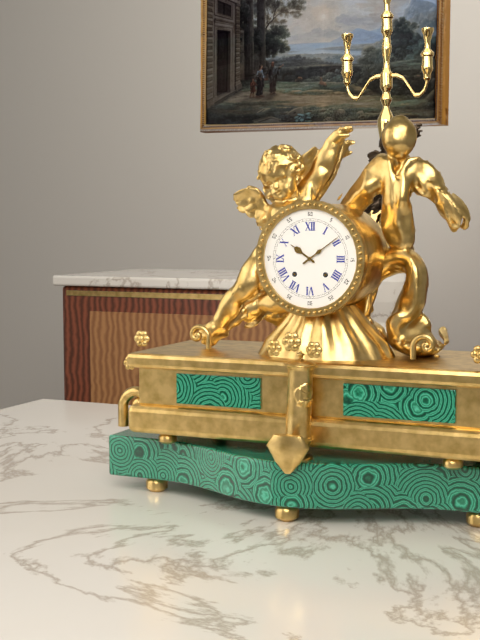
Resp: 10,09
